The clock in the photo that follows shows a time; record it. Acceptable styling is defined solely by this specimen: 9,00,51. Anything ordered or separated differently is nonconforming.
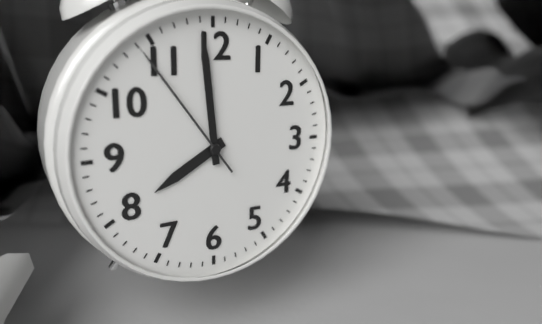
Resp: 7,59,54
